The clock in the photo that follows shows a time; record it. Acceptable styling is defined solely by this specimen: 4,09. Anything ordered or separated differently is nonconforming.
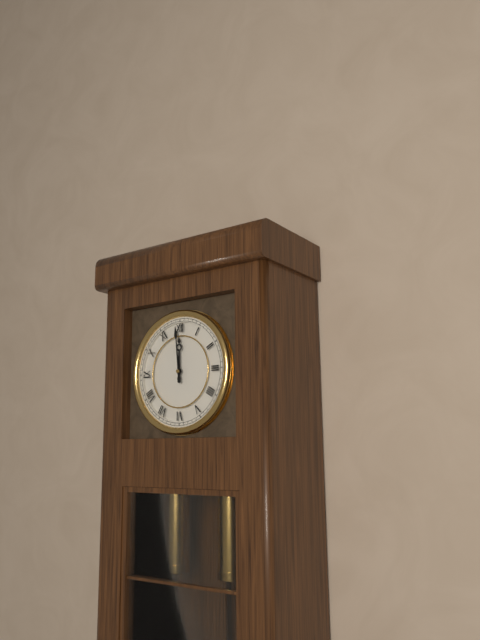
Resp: 11,59
